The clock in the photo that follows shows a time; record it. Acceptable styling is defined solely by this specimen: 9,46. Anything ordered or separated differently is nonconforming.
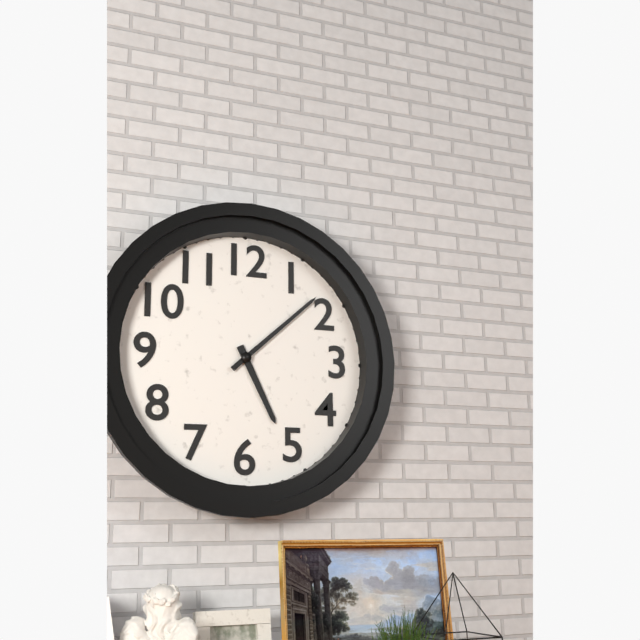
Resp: 5,08
